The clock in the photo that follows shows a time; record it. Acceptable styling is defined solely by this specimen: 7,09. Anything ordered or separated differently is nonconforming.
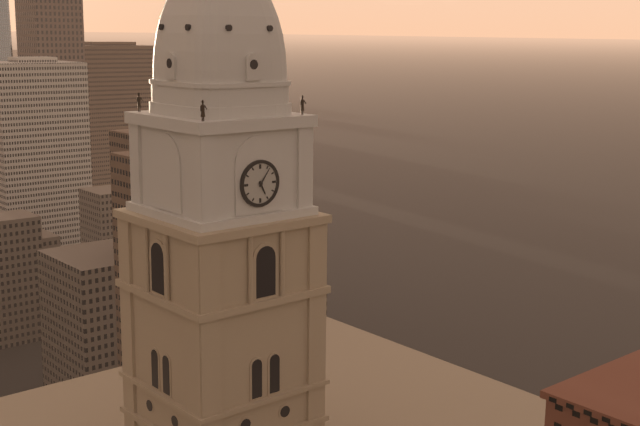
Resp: 5,06
